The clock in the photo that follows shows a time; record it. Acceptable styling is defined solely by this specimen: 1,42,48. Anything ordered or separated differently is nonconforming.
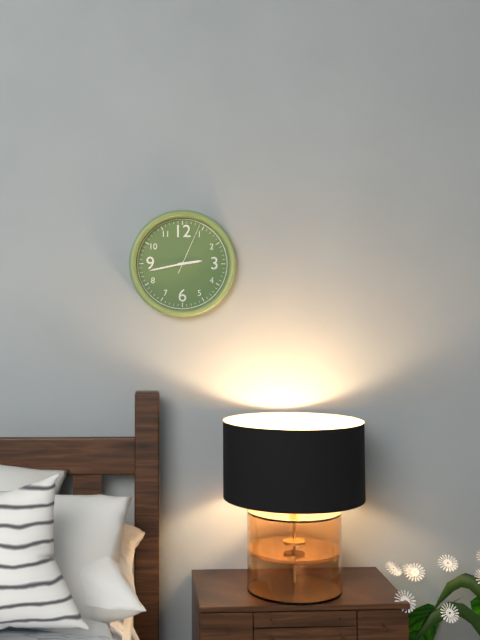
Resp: 2,43,04
